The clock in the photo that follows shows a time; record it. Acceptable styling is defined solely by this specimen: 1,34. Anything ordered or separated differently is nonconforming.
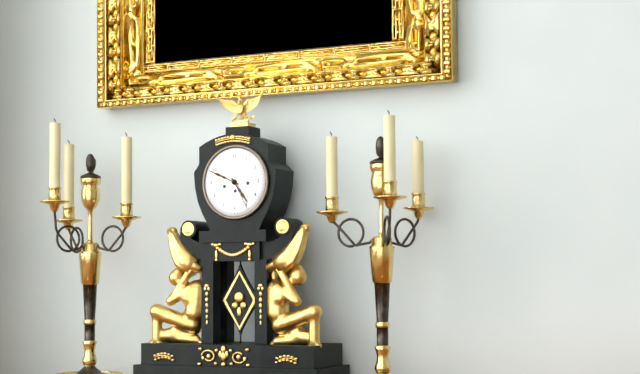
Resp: 4,49
